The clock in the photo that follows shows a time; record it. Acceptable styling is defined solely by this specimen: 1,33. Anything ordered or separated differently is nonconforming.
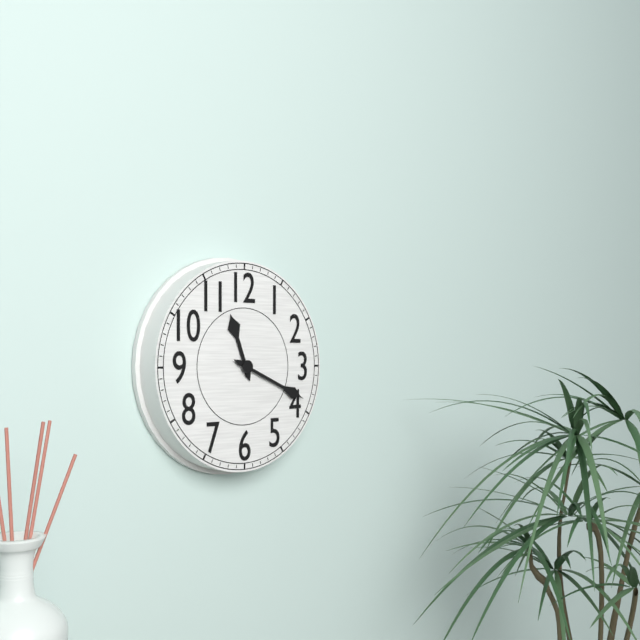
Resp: 11,19
